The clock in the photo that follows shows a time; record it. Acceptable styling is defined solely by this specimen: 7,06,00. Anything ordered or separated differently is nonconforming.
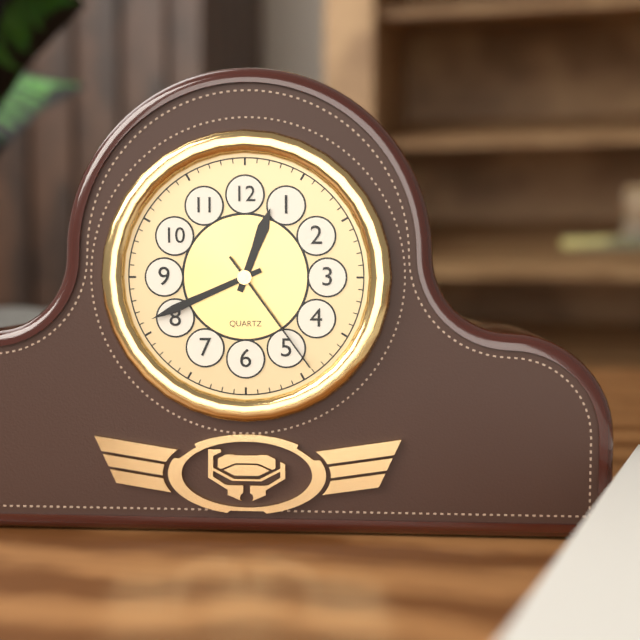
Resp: 12,41,24
